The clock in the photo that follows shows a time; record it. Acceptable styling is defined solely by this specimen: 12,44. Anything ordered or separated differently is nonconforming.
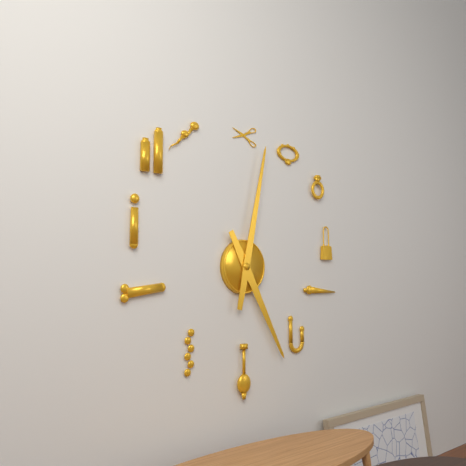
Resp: 5,02
